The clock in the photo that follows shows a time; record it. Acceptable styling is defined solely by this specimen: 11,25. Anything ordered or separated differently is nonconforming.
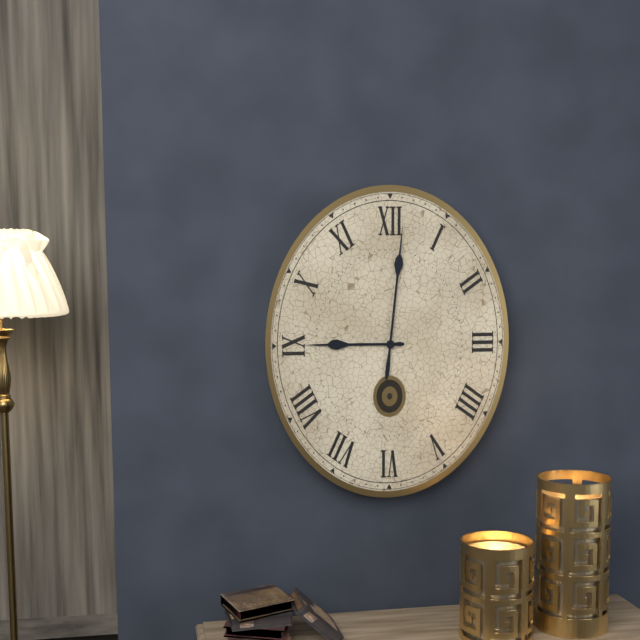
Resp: 9,01
